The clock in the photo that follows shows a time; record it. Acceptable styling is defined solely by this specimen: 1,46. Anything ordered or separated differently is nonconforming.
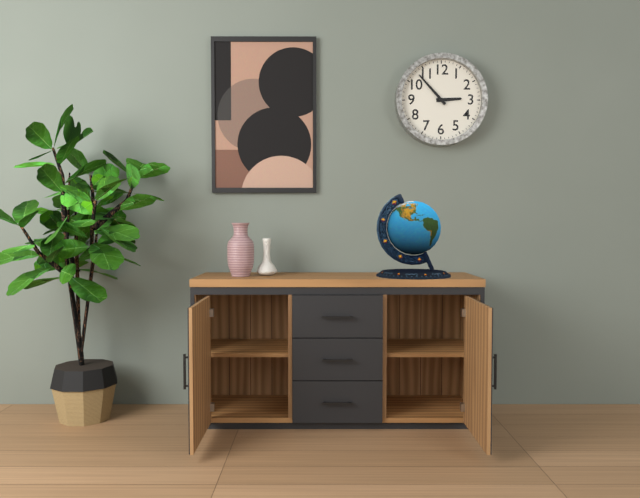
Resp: 2,53
